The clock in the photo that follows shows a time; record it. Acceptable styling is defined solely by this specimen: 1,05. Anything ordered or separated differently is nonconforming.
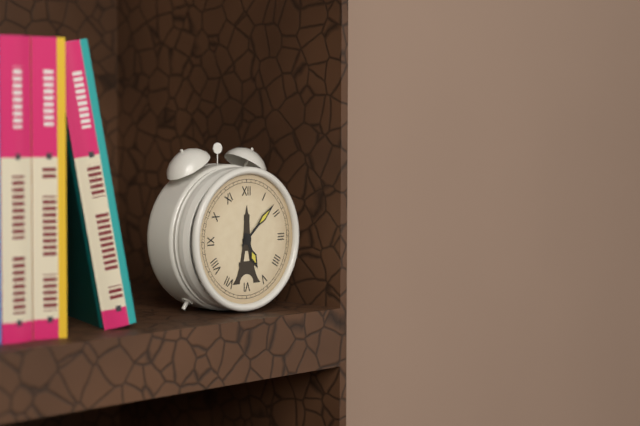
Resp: 5,08
